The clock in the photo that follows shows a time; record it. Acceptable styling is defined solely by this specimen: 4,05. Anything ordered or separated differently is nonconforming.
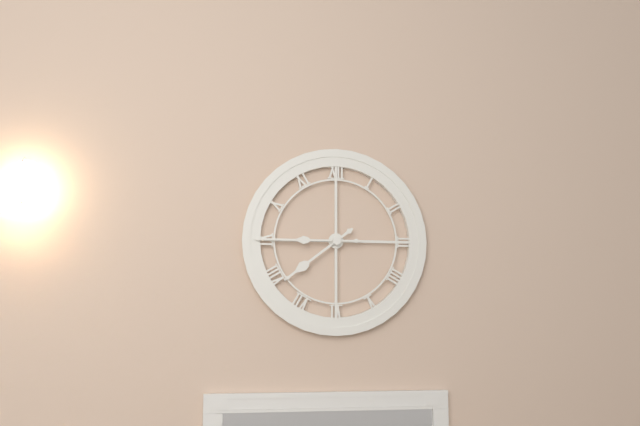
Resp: 7,45
